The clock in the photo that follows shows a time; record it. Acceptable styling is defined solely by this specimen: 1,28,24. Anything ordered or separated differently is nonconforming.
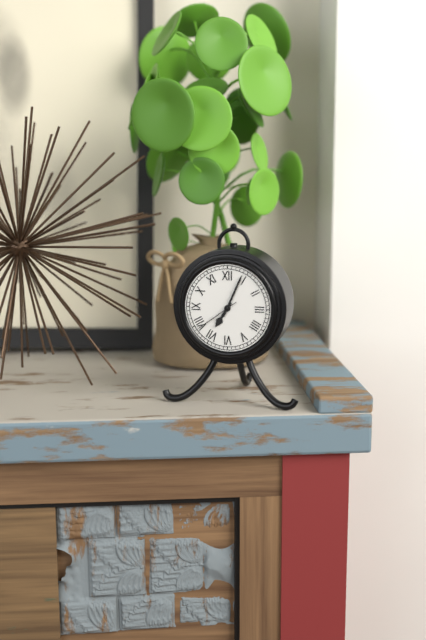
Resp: 7,04,39
